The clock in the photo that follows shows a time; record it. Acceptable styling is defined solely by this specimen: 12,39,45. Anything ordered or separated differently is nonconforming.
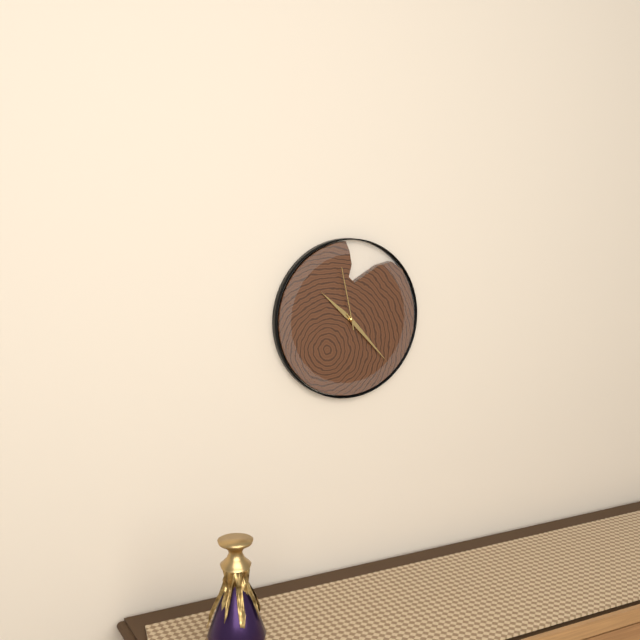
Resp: 10,23,58
